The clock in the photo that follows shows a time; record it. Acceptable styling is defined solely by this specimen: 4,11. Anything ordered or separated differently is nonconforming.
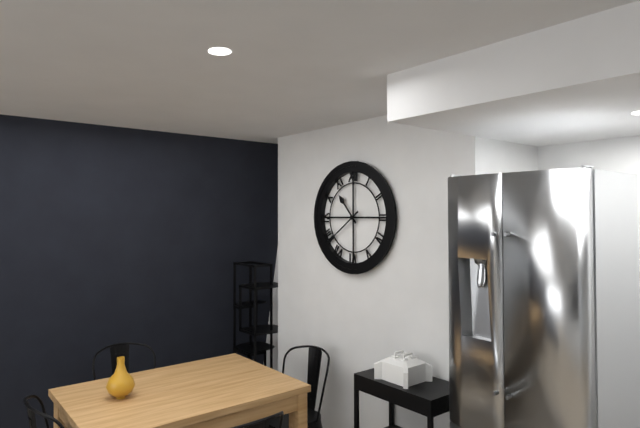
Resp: 10,39
